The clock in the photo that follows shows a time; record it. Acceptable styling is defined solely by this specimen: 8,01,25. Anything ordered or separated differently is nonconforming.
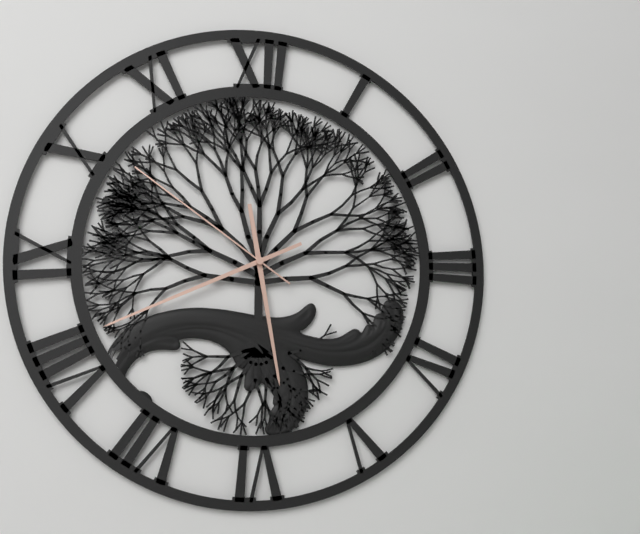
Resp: 5,41,51
